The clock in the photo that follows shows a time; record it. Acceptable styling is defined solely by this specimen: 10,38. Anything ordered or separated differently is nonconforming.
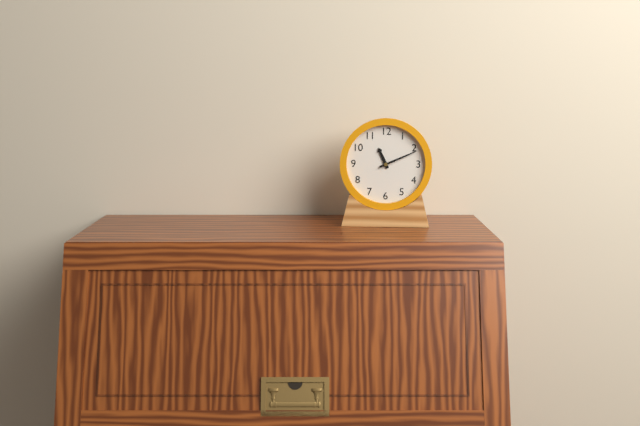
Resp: 11,11
